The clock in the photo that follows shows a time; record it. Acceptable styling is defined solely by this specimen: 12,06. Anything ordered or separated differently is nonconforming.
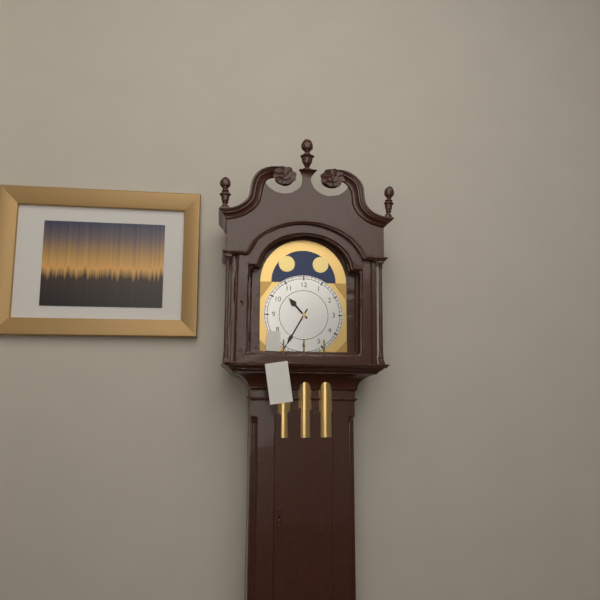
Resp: 10,35
